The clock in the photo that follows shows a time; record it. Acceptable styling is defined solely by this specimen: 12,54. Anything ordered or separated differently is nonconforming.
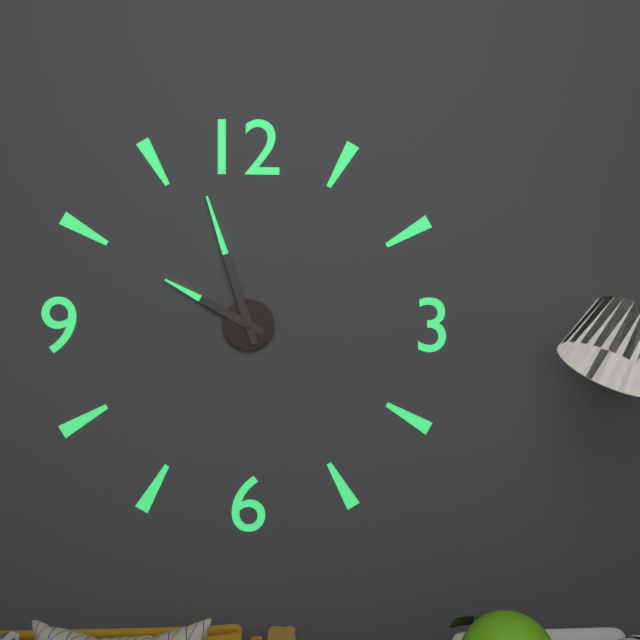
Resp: 9,57
